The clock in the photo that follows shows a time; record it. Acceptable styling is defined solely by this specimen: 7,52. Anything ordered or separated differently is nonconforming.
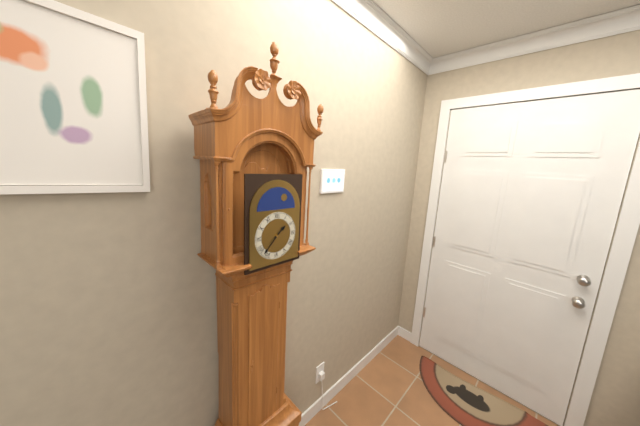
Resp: 1,37
